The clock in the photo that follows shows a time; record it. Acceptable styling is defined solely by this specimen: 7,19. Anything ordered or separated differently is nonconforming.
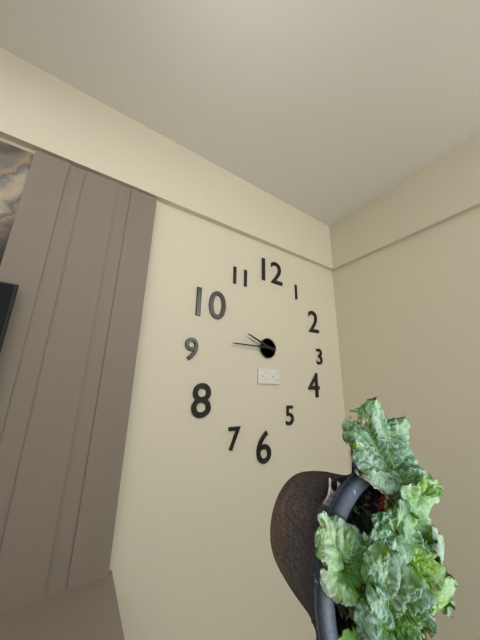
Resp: 9,45
